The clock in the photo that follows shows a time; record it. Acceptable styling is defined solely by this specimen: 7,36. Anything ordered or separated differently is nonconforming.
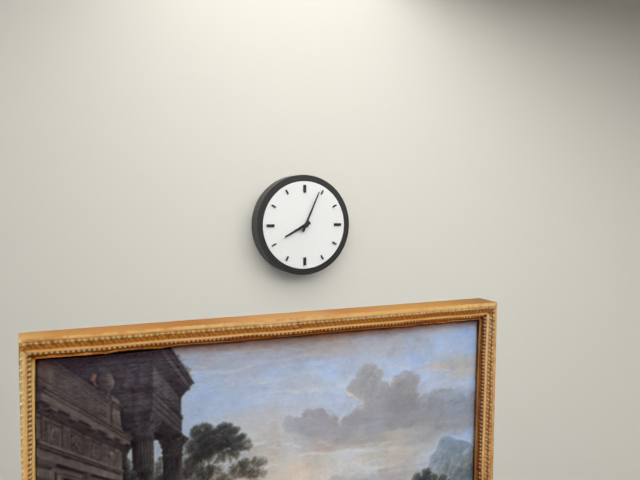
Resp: 8,04
